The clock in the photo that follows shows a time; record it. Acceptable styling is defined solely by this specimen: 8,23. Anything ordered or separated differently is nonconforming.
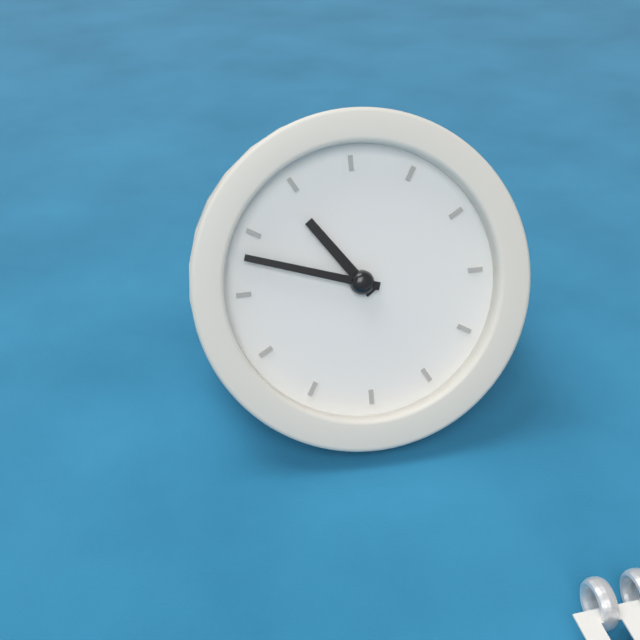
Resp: 10,48
